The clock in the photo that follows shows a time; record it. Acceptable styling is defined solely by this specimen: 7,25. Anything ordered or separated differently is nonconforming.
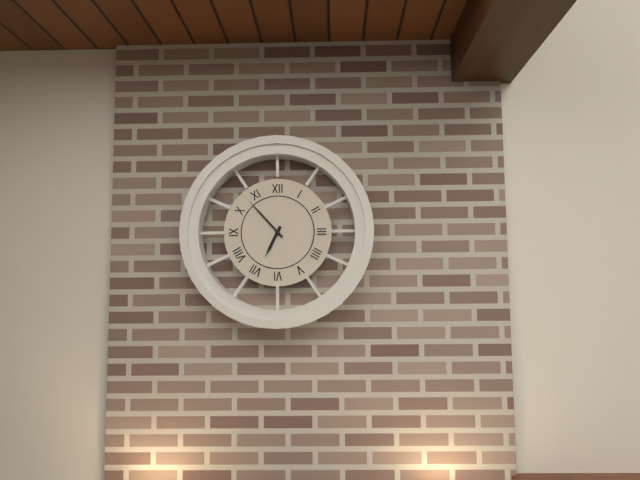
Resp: 6,53
